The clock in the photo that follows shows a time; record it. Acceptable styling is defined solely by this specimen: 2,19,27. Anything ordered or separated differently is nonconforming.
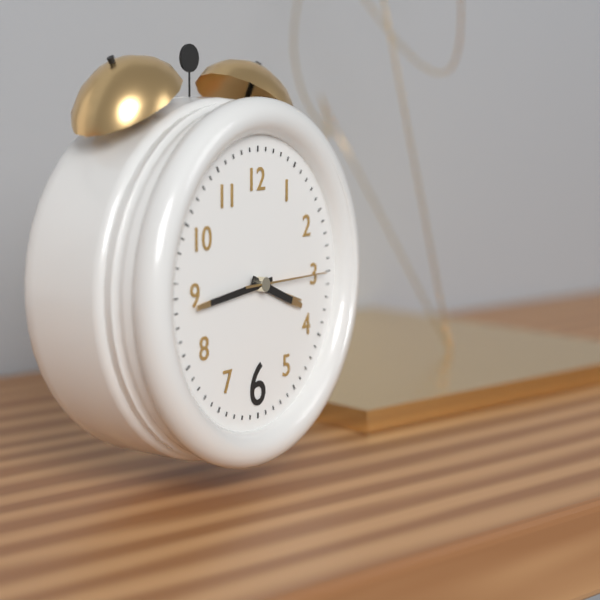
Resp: 3,44,15
